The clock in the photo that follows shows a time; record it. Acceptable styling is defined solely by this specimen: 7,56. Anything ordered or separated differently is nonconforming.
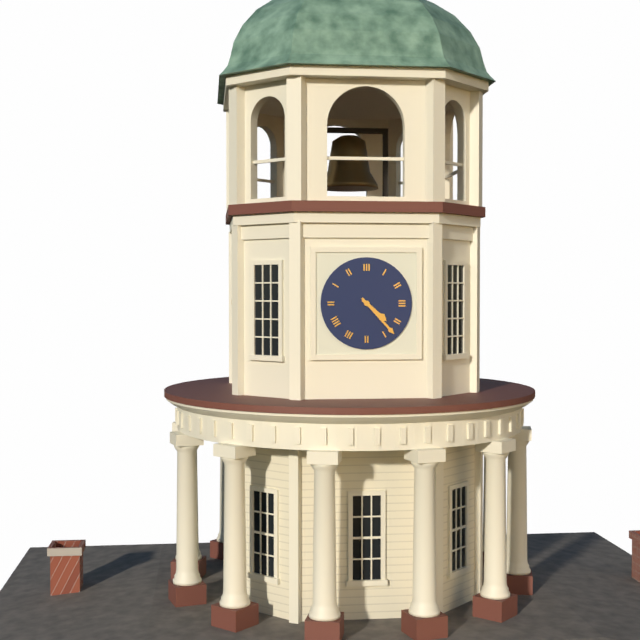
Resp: 4,23
